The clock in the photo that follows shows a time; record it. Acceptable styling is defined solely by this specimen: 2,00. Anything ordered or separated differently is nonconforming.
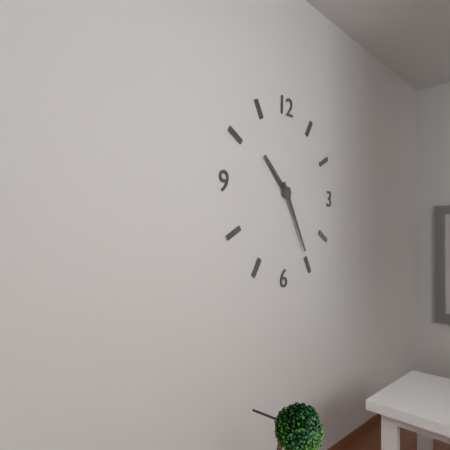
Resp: 10,25
